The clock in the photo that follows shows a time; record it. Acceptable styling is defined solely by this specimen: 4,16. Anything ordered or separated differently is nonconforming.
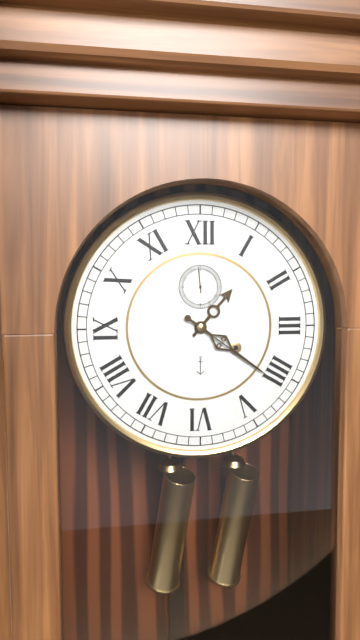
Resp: 1,21
